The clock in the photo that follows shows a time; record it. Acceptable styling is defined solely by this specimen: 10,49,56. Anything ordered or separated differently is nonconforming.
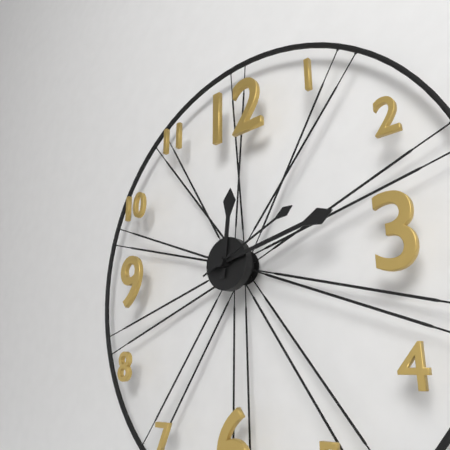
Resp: 12,13,11
